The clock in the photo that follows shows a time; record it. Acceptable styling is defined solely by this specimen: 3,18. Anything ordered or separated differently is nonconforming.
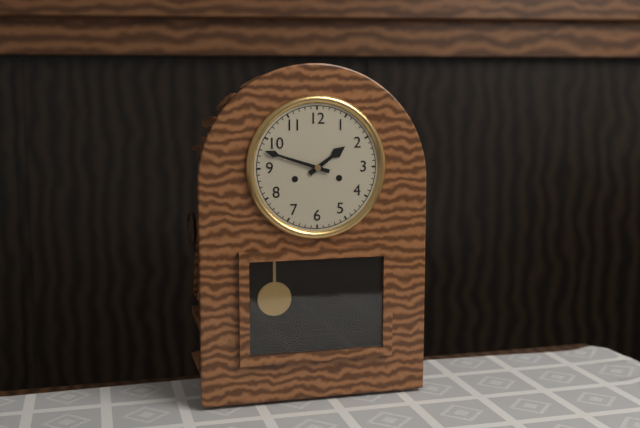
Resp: 1,48
